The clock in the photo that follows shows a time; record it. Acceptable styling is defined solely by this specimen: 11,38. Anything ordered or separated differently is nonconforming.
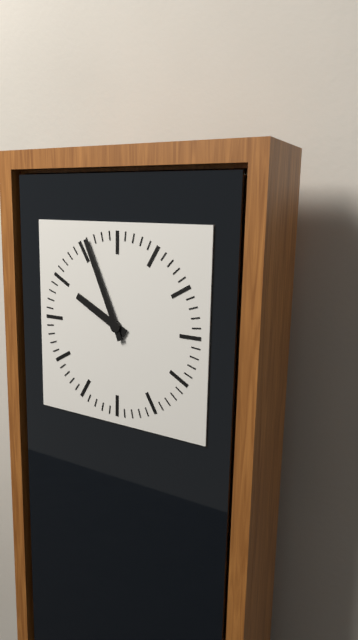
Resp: 9,56
